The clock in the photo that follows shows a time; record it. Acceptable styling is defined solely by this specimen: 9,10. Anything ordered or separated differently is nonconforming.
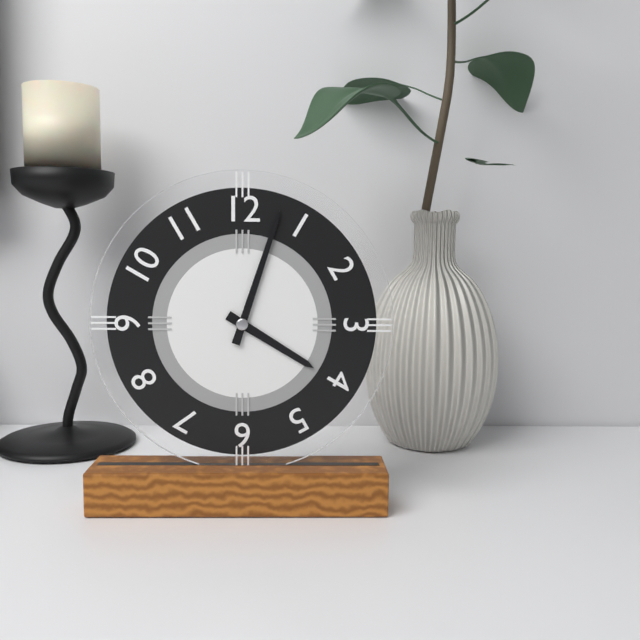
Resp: 4,03
